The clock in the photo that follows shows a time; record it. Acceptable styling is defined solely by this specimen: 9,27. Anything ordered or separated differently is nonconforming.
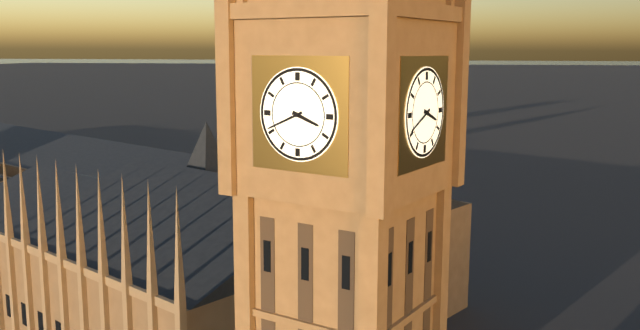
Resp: 3,41
